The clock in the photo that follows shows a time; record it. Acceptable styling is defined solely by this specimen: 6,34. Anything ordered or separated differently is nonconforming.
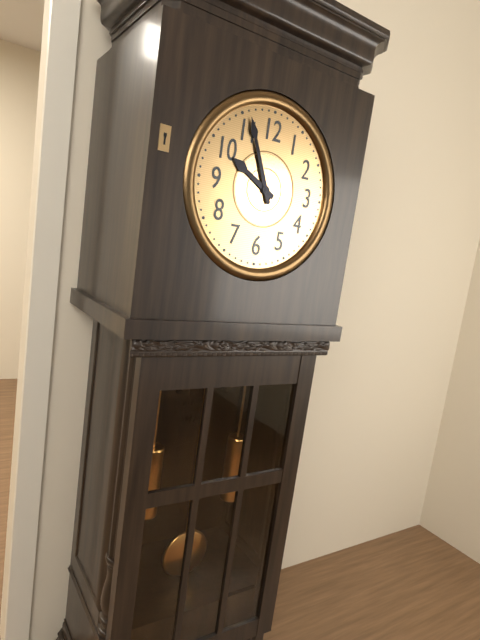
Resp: 9,56
